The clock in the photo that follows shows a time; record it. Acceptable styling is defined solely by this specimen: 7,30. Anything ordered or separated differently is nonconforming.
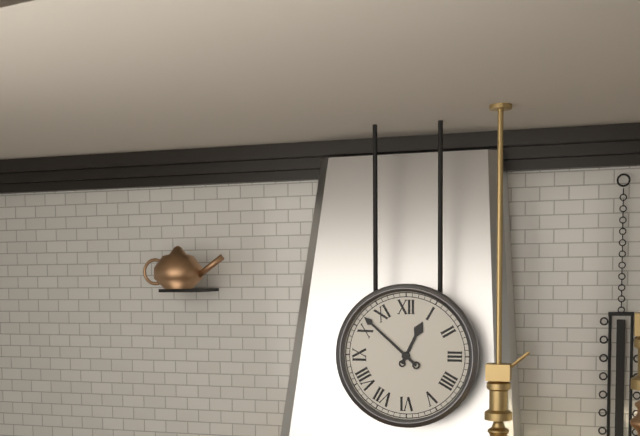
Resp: 12,52
